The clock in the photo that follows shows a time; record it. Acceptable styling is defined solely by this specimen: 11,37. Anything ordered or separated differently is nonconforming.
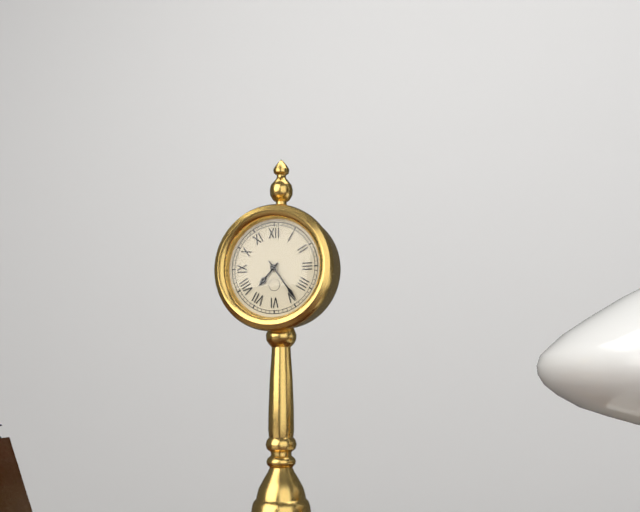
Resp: 7,24
